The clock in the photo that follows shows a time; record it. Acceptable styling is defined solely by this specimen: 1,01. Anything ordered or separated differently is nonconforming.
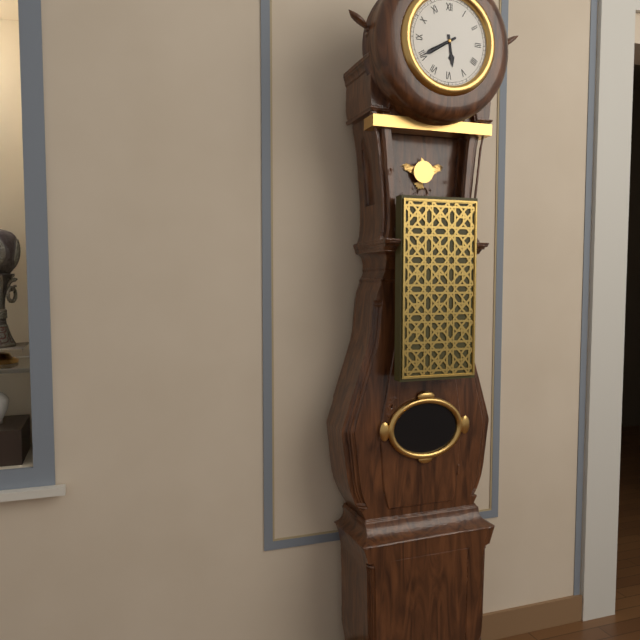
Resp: 5,40
